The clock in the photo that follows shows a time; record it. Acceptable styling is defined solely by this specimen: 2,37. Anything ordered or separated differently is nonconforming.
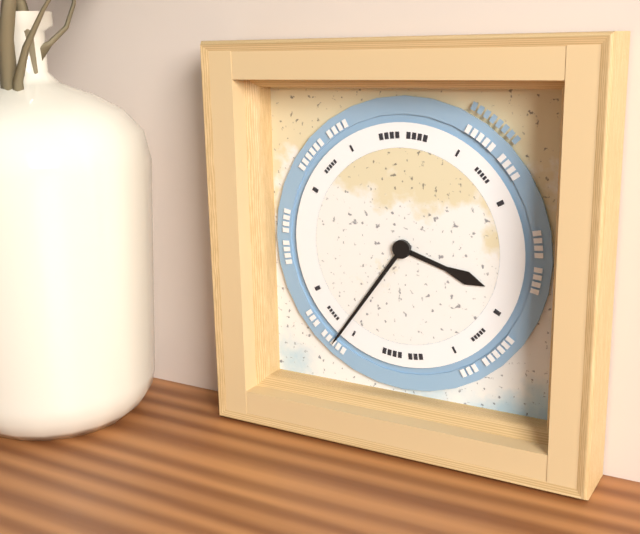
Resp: 3,36
